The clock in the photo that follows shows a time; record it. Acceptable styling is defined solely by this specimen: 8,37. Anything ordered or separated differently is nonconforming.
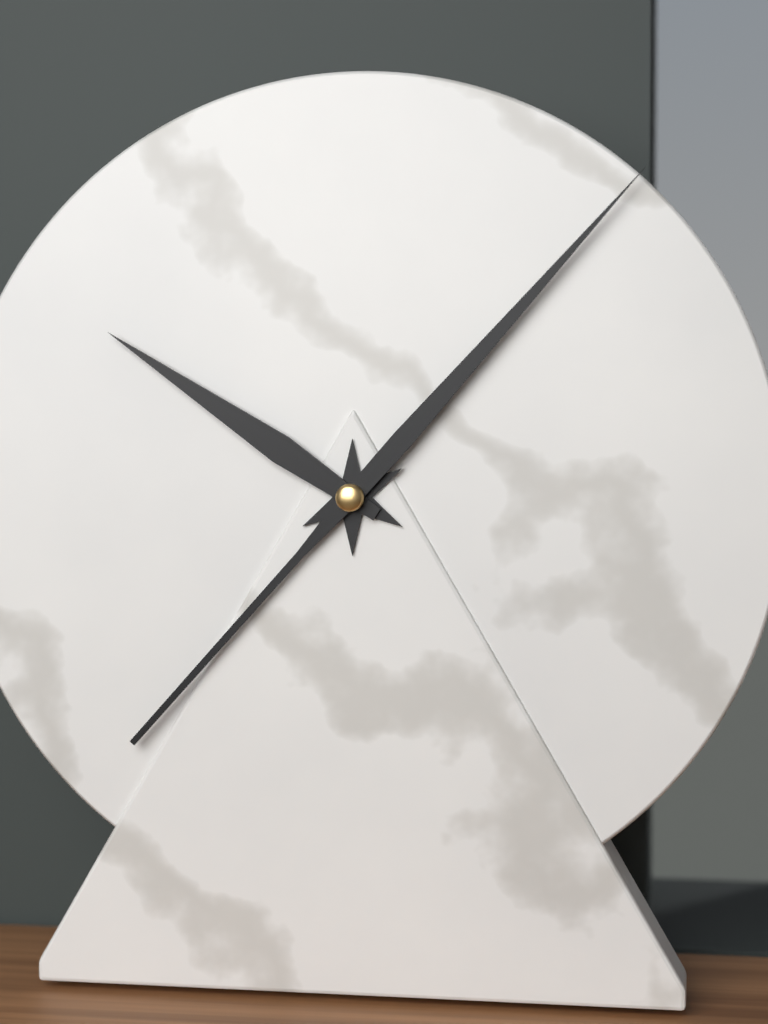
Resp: 10,07
